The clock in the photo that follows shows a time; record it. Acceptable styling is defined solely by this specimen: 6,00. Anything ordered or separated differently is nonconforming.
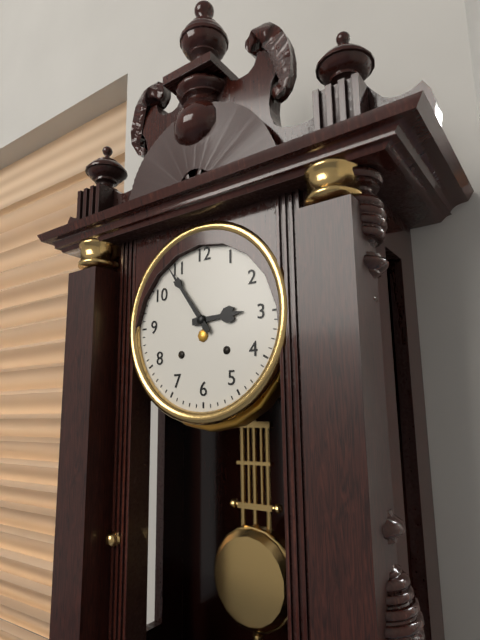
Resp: 2,54
